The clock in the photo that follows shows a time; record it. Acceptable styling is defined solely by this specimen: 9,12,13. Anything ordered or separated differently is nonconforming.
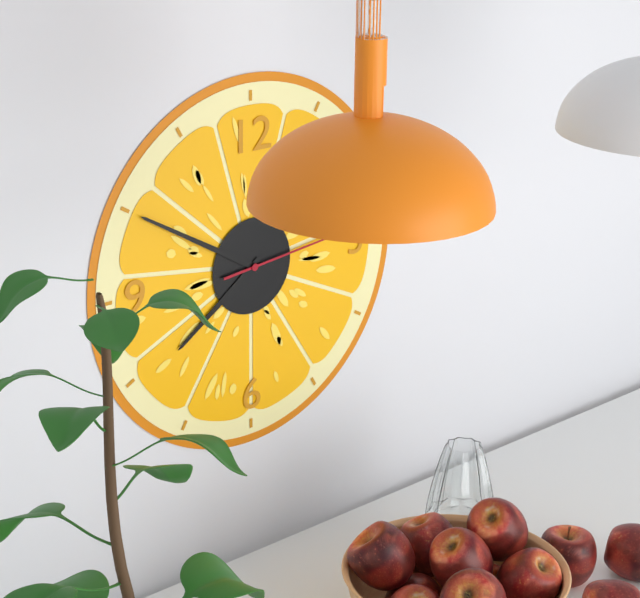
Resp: 7,50,14
